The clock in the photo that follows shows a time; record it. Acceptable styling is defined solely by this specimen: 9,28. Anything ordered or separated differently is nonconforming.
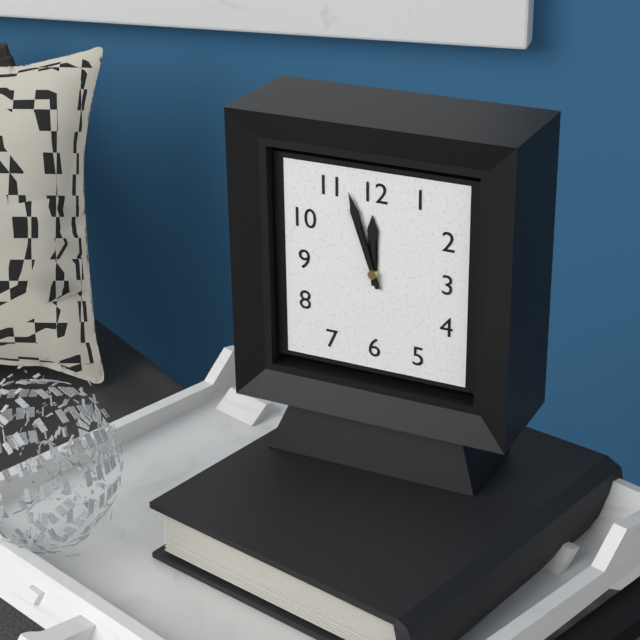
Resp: 11,57
